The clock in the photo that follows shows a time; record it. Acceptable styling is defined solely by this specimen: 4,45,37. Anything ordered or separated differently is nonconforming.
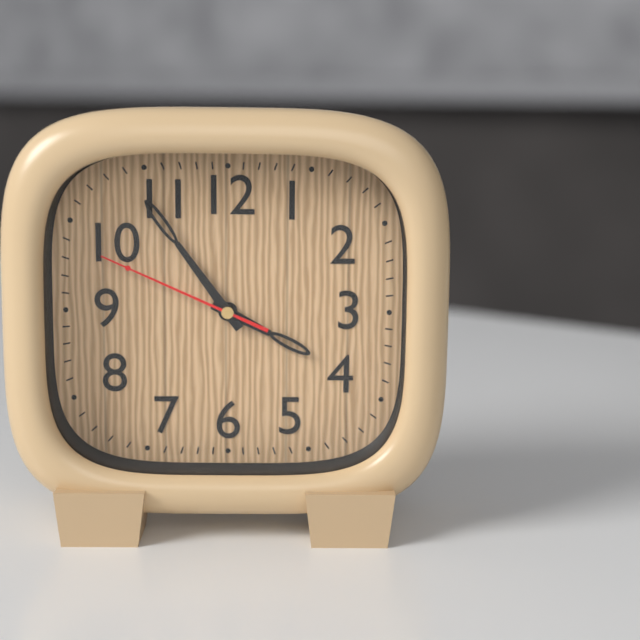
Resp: 3,54,49
